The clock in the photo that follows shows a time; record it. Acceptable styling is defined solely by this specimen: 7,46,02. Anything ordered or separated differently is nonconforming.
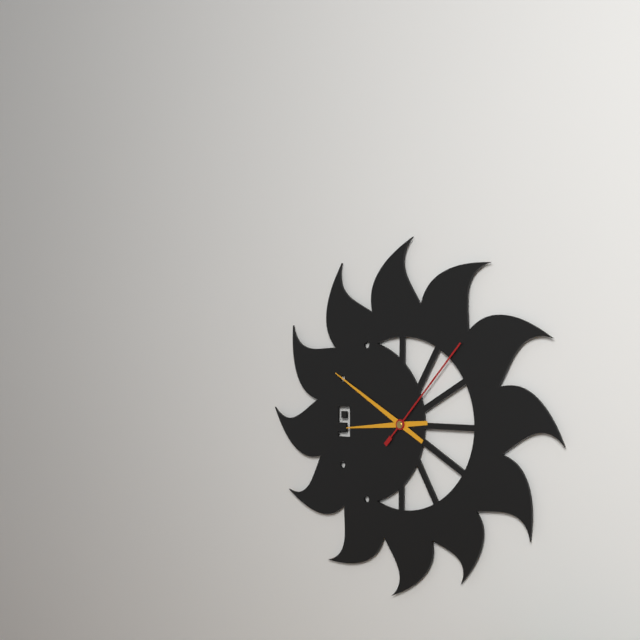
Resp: 8,50,07
